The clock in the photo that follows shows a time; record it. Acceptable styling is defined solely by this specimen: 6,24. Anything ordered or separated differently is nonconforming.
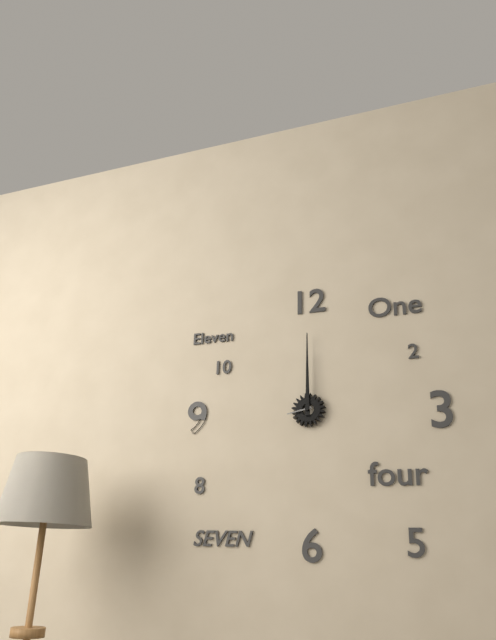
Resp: 12,00
